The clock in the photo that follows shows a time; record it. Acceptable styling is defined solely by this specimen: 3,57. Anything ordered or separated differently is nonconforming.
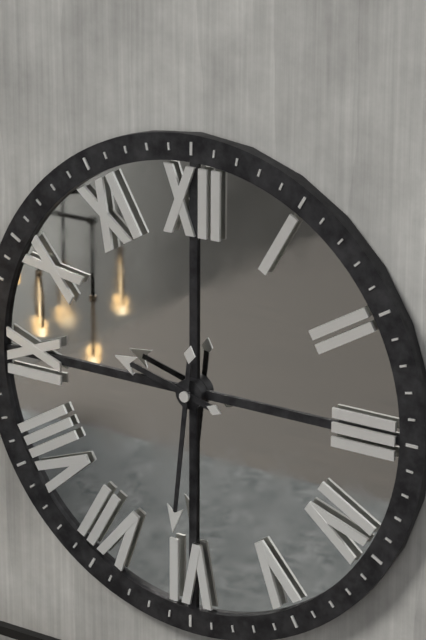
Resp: 9,31
